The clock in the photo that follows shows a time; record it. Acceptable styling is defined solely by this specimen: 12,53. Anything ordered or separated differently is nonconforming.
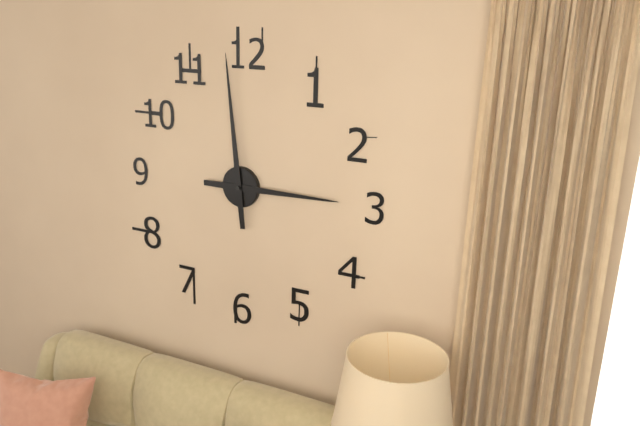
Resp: 2,59
